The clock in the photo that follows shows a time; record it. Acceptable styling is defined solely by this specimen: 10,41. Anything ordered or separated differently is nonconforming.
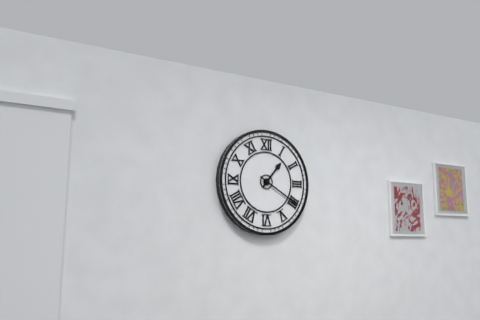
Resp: 1,20
